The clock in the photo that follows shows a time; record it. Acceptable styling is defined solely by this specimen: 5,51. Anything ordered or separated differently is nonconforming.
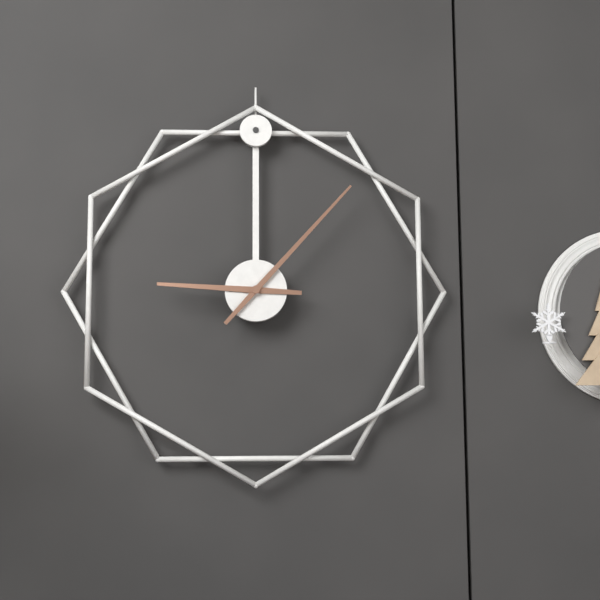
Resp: 9,07
